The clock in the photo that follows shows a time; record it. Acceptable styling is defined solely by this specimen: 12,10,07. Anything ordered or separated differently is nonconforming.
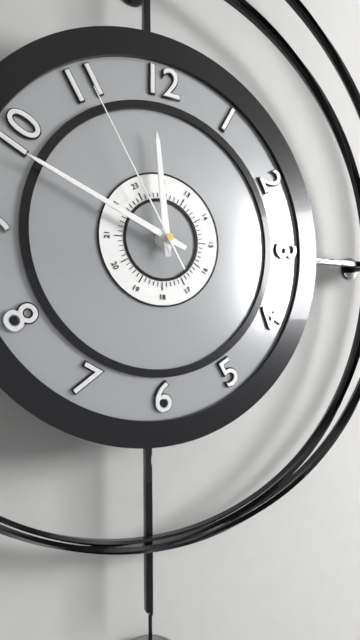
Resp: 11,49,55
